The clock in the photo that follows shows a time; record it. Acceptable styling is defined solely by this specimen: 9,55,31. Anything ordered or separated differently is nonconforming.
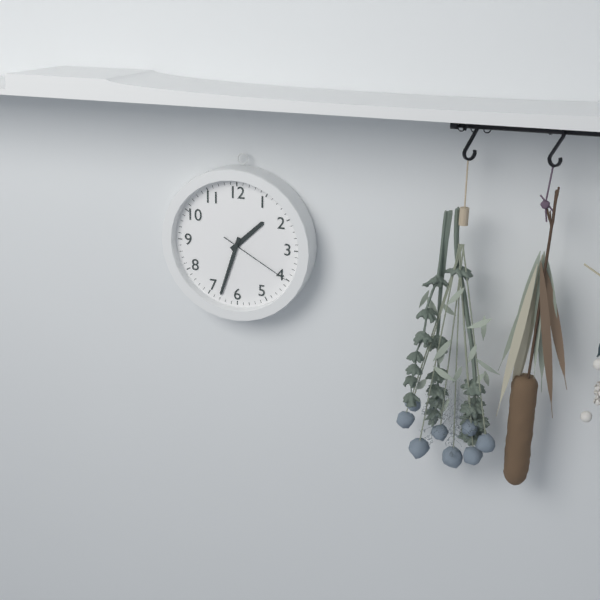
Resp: 1,33,20
